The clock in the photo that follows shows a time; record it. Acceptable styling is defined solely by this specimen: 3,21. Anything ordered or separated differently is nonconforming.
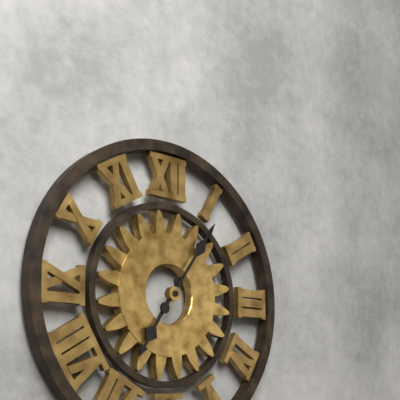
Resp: 7,06
